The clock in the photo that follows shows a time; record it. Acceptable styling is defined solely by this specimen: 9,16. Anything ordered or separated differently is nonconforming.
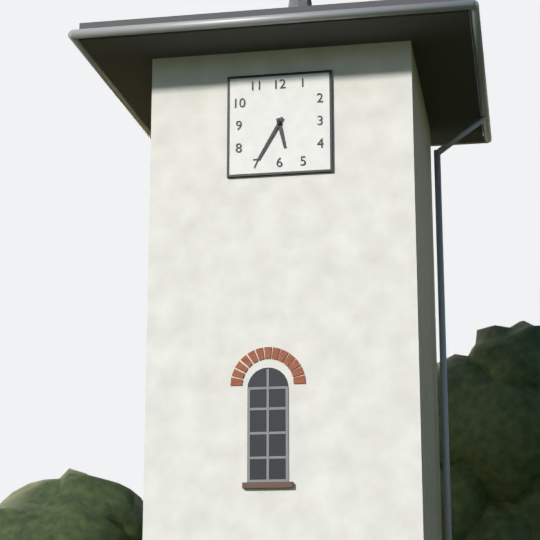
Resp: 5,35
